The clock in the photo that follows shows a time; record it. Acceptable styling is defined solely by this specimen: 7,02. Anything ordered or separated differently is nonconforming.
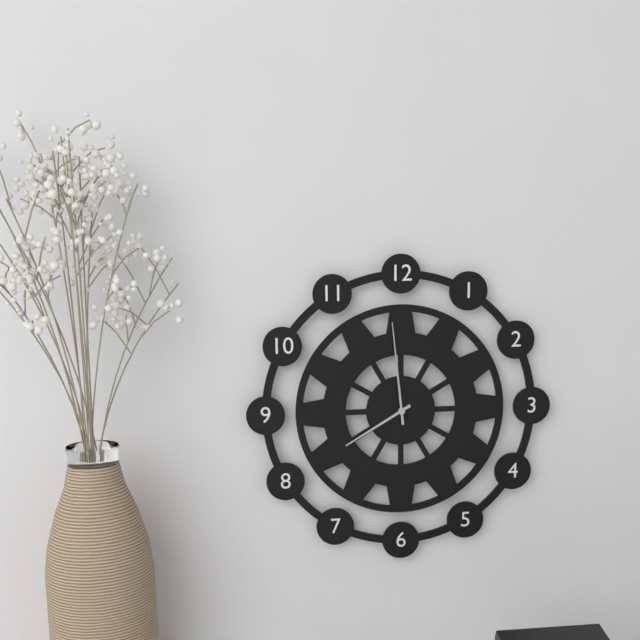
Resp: 7,59
